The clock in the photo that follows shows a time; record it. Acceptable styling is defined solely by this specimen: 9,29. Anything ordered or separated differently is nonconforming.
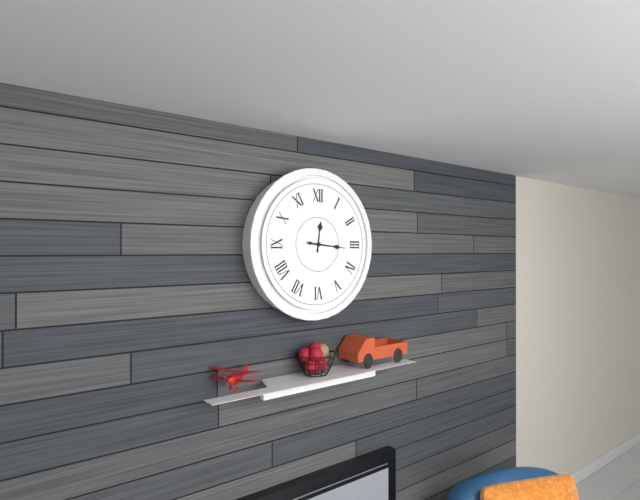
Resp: 12,16
